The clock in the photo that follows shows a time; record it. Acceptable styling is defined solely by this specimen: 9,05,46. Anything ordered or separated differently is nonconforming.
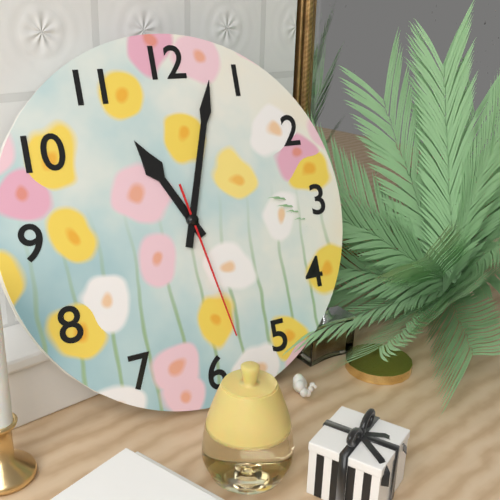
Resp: 11,03,28
